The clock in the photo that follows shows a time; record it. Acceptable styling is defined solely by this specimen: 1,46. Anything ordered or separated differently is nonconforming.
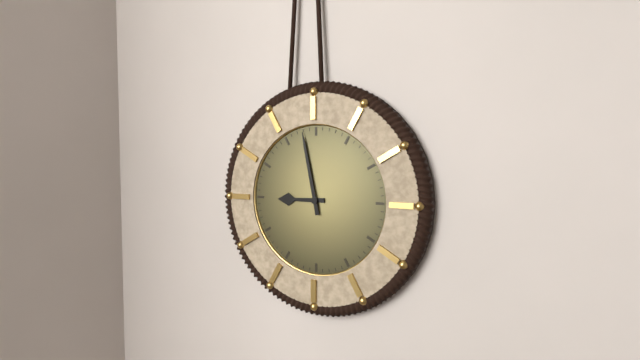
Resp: 8,58
